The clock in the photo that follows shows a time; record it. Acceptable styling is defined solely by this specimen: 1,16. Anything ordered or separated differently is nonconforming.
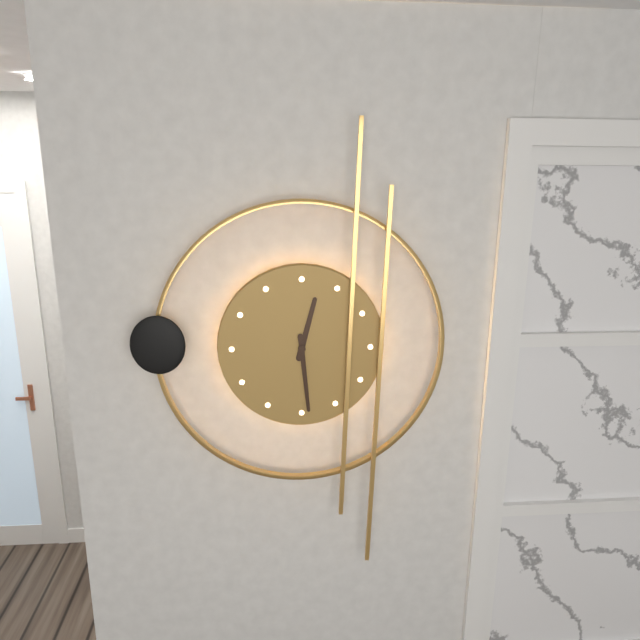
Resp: 12,29
